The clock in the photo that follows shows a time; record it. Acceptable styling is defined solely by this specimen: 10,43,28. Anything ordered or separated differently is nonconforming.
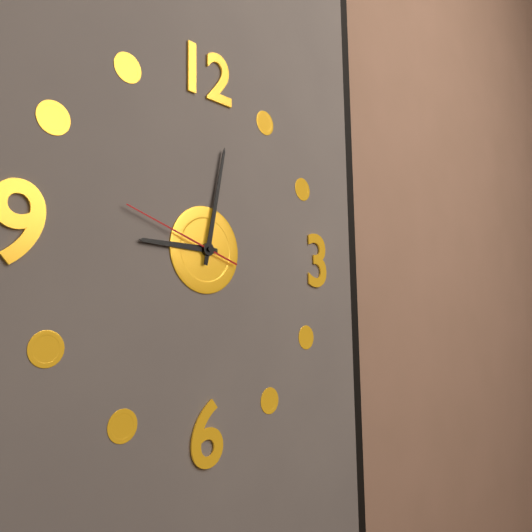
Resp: 9,02,48
